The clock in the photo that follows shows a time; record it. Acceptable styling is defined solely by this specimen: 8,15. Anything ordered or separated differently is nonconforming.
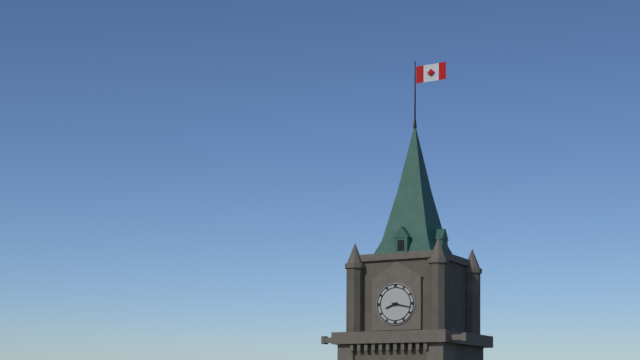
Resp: 8,17
